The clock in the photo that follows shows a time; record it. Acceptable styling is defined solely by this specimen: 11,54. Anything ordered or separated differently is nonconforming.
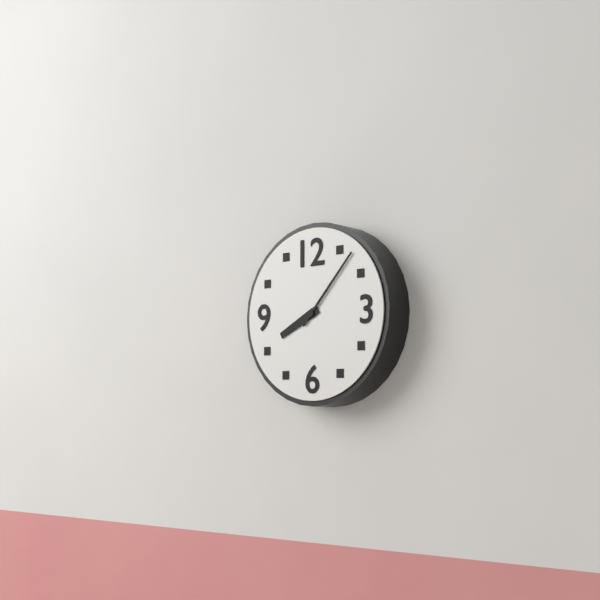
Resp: 8,07
